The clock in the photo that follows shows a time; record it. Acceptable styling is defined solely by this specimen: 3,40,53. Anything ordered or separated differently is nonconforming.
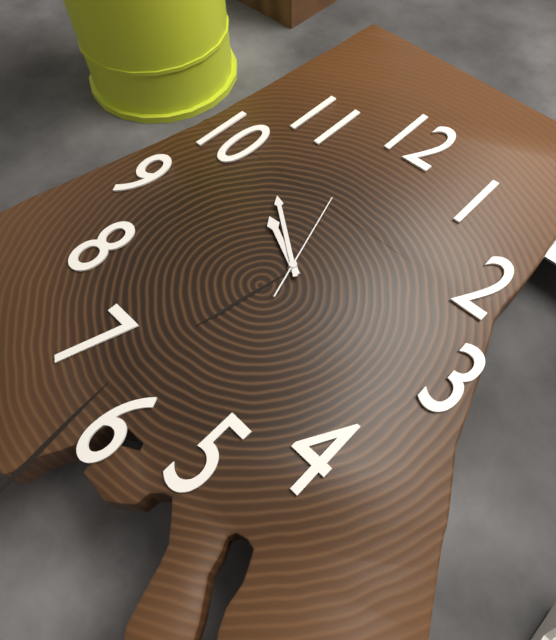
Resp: 9,51,57
